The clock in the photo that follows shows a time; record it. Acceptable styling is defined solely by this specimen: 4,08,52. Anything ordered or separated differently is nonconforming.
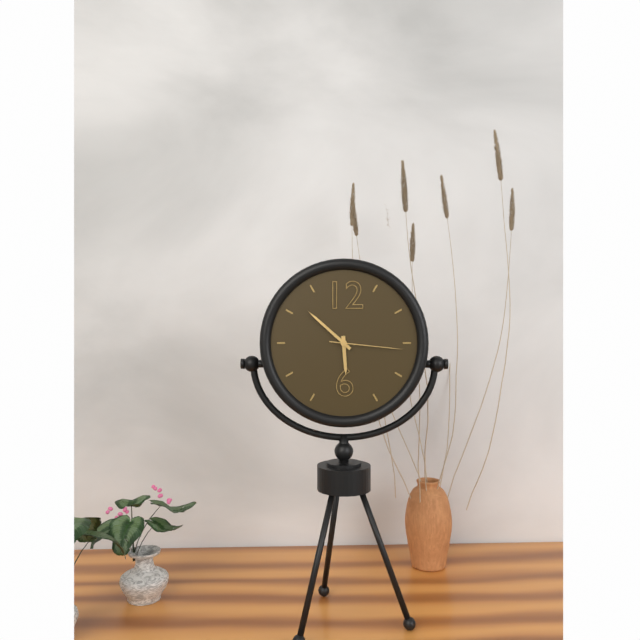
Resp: 5,52,16
